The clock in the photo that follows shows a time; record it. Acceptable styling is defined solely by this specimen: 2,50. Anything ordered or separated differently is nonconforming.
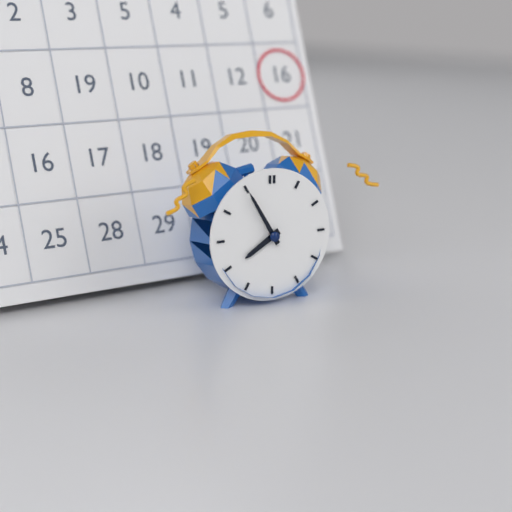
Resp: 7,55
